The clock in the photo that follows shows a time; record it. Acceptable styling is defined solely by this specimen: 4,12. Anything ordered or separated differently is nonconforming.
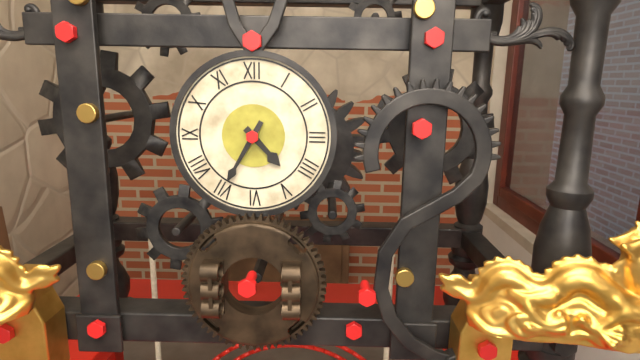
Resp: 4,35
